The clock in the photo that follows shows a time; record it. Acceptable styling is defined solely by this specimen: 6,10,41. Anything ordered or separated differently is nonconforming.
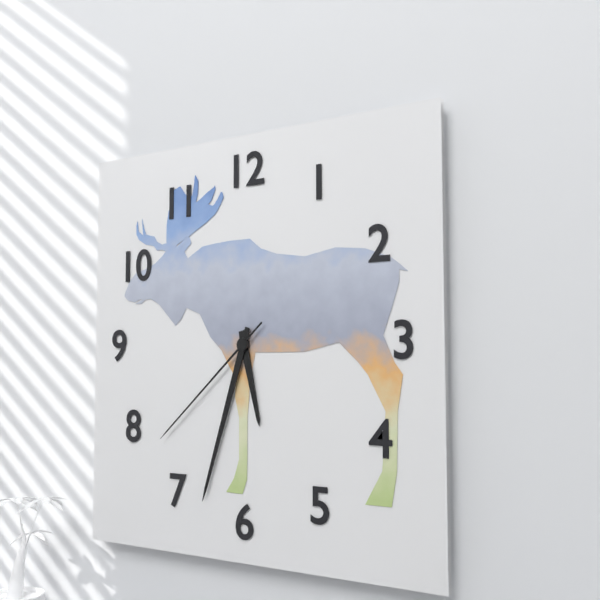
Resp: 5,33,38
